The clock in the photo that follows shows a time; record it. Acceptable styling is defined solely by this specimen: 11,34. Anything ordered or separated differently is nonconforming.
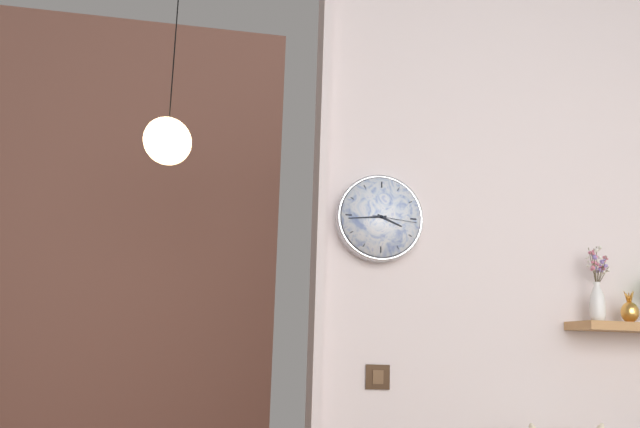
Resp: 3,44
